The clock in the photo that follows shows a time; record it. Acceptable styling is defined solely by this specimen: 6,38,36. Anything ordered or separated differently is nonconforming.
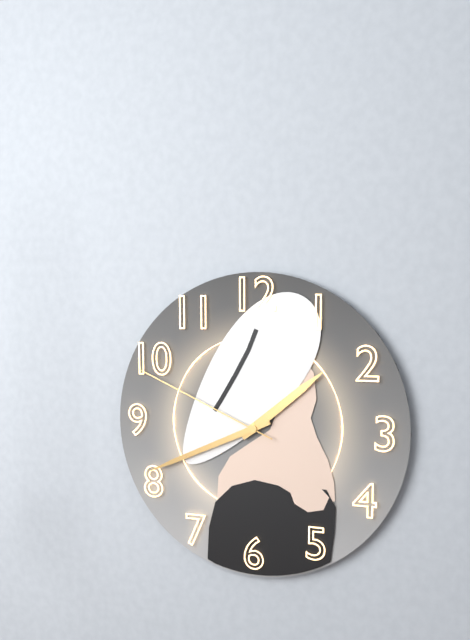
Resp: 1,41,49
